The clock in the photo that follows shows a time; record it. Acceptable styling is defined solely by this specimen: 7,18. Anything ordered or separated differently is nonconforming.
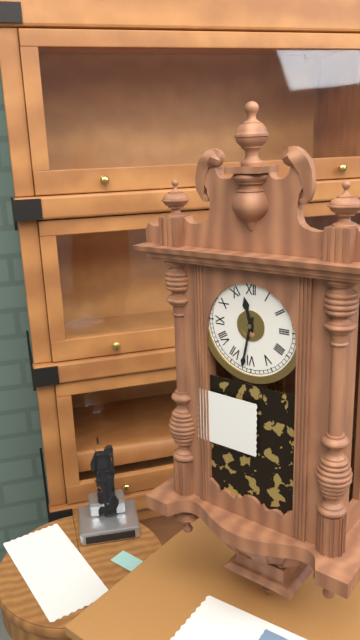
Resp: 11,32
